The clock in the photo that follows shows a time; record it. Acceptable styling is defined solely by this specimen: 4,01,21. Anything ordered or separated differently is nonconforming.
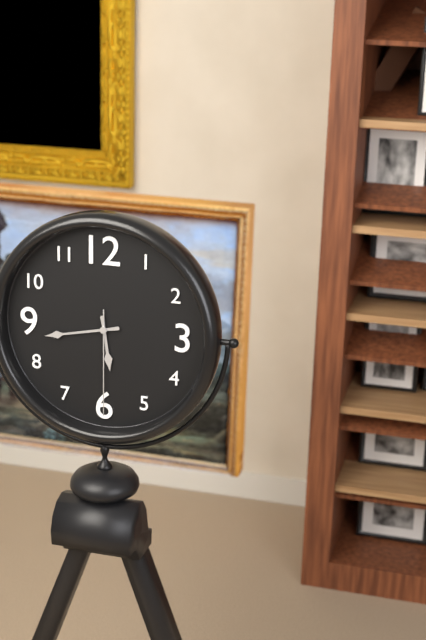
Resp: 5,43,30
